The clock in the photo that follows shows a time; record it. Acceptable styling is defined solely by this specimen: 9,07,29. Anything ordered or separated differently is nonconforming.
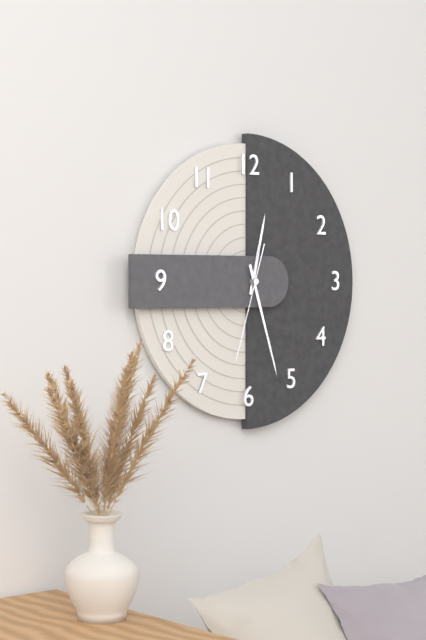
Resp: 12,27,33
